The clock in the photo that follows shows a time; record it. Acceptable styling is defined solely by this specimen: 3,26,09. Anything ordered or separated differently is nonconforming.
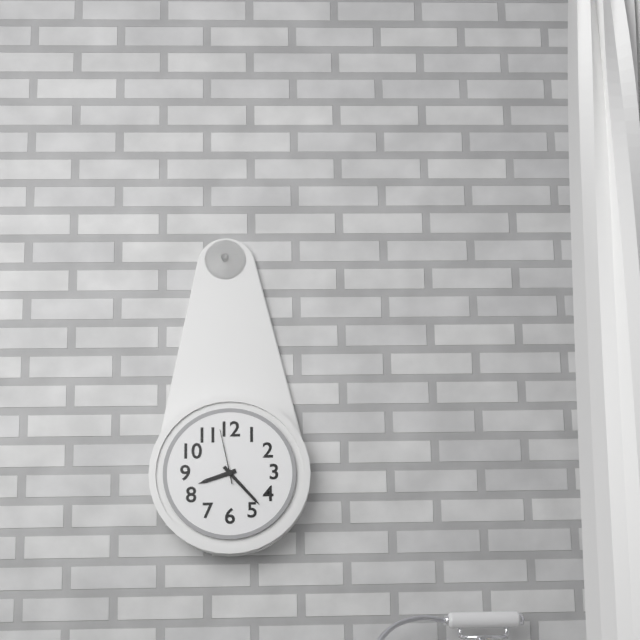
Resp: 8,23,58
